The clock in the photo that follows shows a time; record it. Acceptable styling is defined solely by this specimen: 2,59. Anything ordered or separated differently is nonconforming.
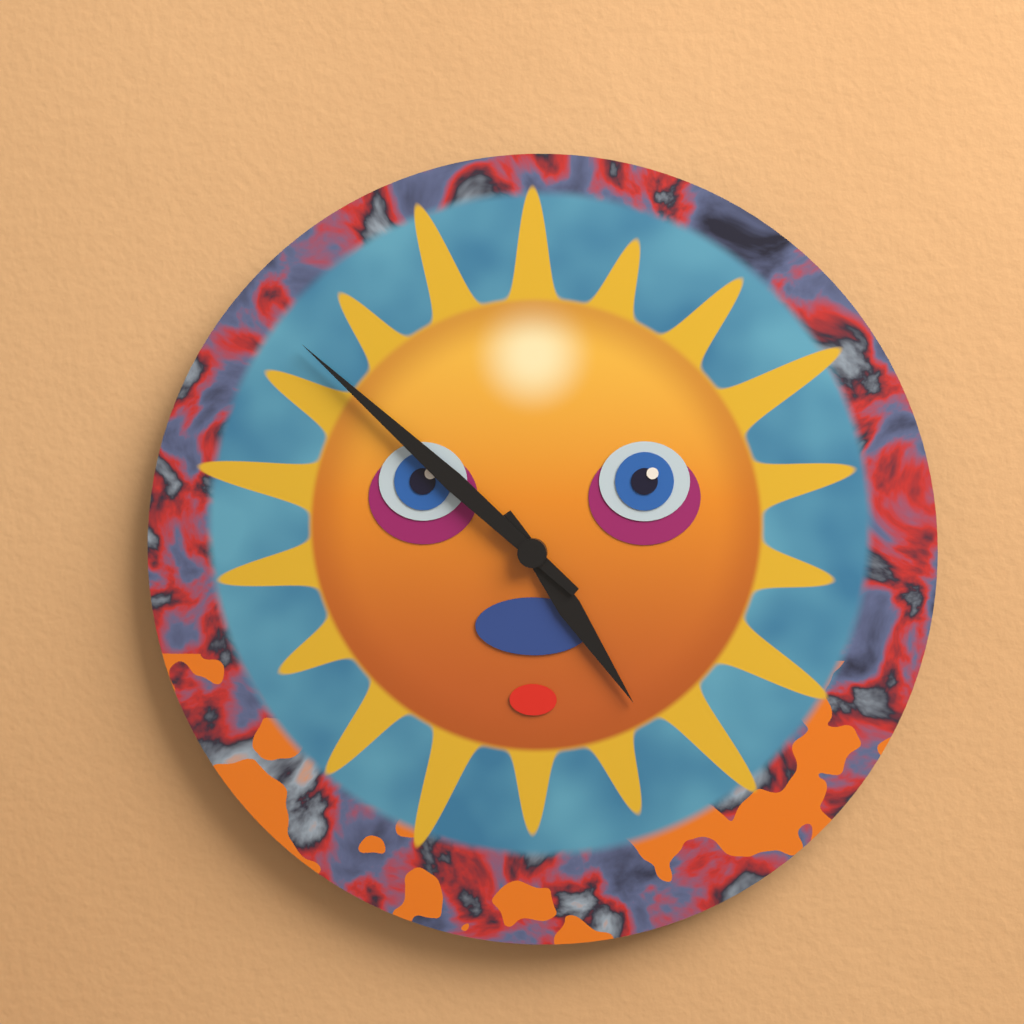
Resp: 4,52
